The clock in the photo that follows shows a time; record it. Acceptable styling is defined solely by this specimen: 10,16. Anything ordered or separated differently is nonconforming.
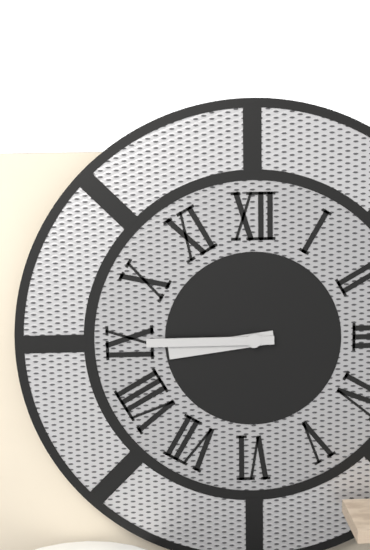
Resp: 8,45
